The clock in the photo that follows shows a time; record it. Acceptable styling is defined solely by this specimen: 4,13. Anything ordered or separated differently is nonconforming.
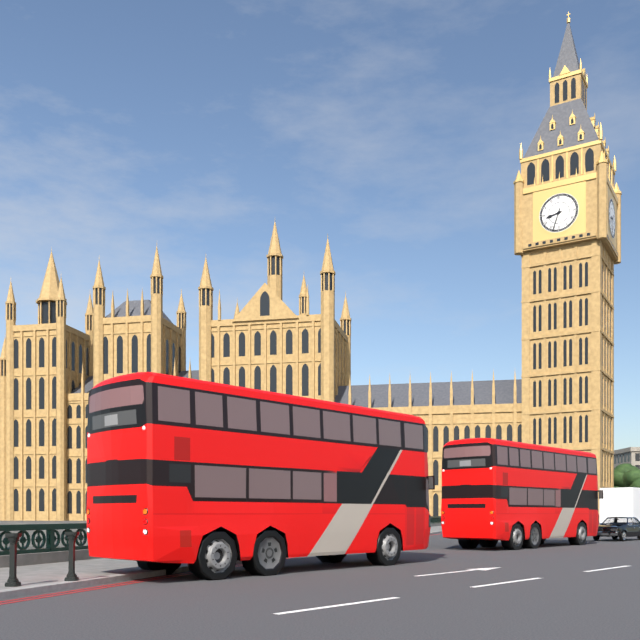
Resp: 8,33
